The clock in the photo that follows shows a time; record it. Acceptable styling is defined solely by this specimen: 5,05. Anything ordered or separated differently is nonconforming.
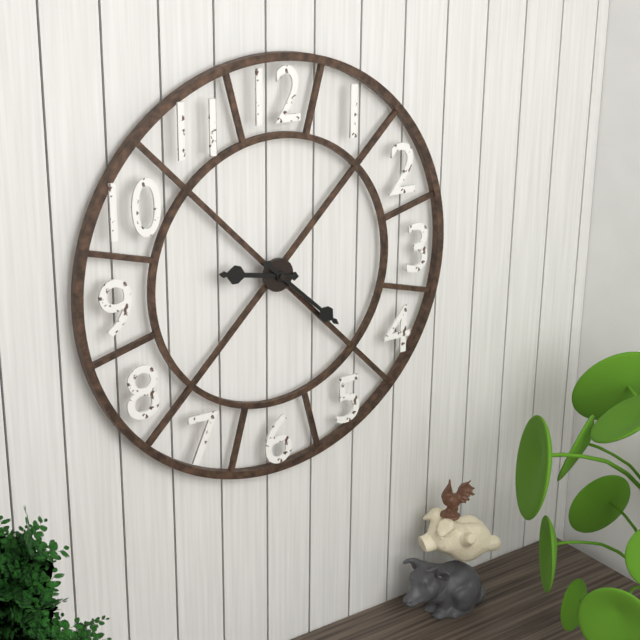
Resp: 9,22
